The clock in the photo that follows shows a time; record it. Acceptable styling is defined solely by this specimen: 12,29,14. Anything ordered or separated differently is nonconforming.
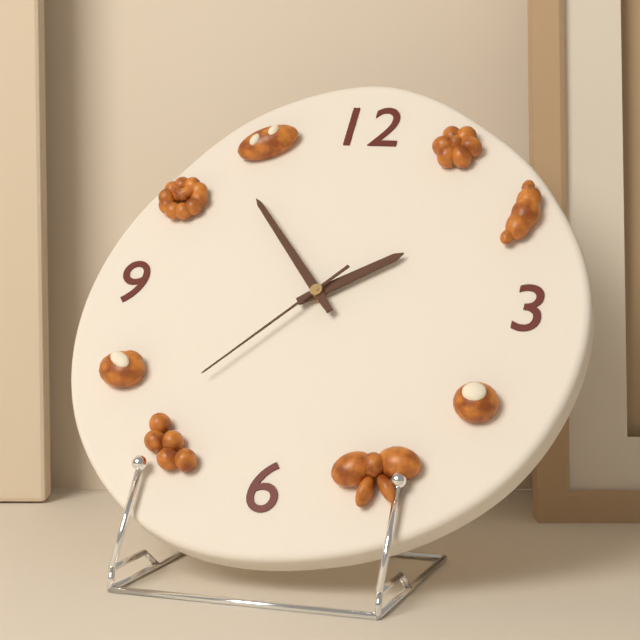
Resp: 1,53,37
